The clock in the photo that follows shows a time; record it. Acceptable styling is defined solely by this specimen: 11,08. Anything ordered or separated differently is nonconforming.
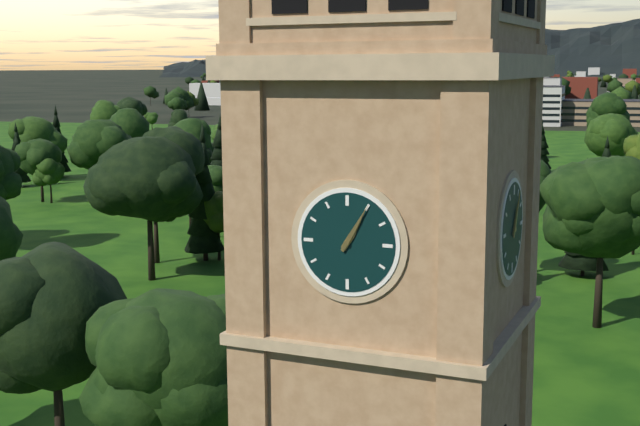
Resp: 1,05
